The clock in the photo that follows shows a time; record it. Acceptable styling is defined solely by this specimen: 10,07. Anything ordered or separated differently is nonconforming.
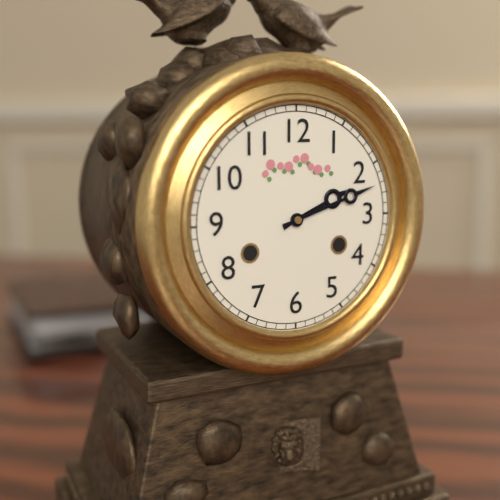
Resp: 2,12
